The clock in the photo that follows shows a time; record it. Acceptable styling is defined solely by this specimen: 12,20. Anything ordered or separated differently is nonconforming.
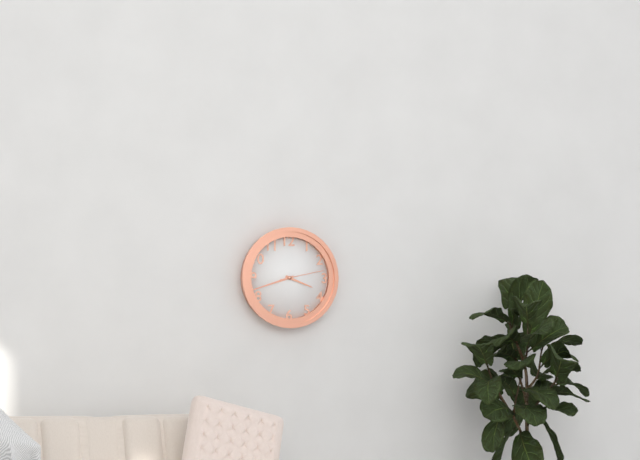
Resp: 3,42
